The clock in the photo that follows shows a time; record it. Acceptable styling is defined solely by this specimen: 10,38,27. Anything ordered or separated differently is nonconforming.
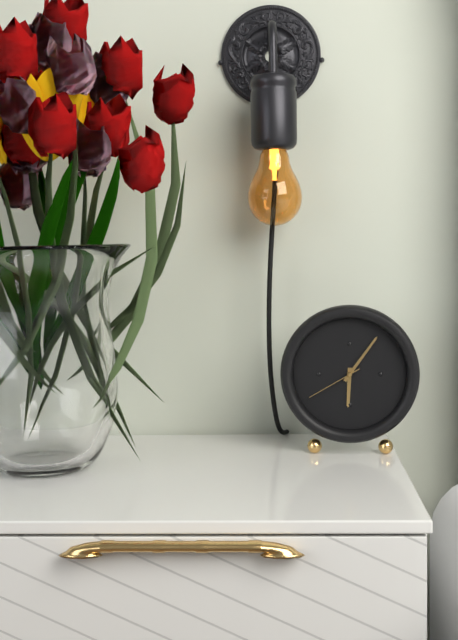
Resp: 6,06,40
